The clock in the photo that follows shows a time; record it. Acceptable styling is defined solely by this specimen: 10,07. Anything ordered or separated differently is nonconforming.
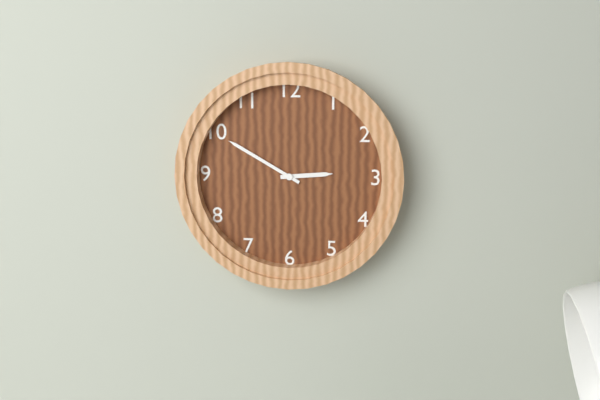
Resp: 2,50
